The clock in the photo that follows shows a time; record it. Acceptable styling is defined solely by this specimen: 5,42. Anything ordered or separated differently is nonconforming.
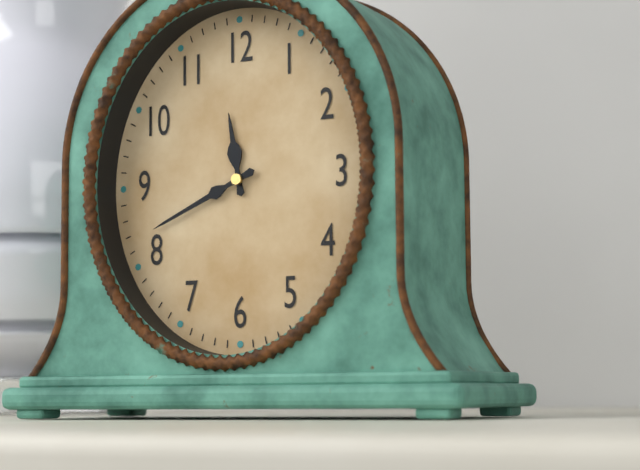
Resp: 11,41
